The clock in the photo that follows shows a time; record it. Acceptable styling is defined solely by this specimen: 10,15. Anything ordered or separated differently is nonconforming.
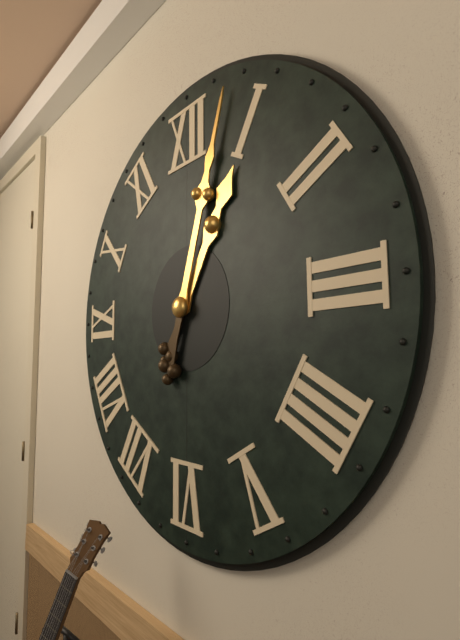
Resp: 1,03
